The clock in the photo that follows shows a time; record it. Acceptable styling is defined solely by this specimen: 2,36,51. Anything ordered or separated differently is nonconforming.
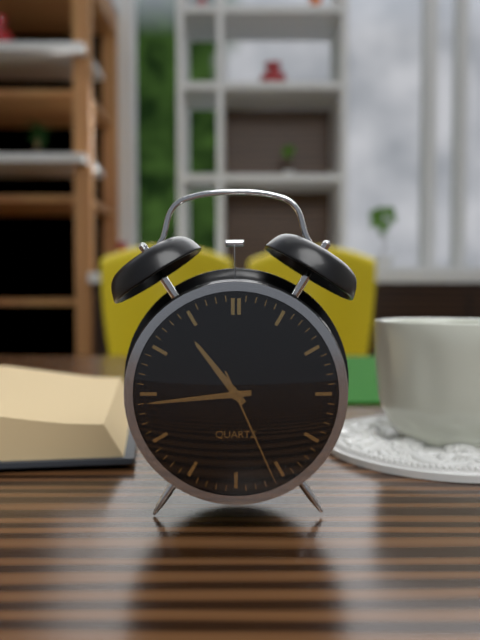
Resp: 10,44,26
